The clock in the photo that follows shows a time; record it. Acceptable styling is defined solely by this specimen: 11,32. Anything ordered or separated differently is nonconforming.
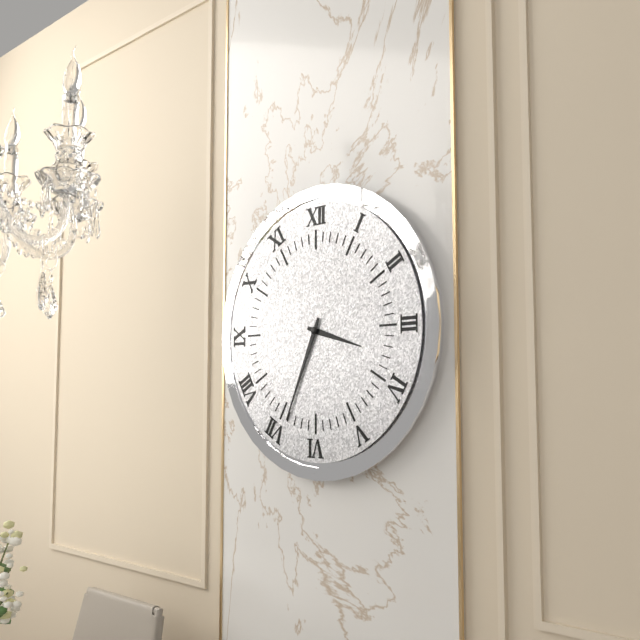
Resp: 3,34
